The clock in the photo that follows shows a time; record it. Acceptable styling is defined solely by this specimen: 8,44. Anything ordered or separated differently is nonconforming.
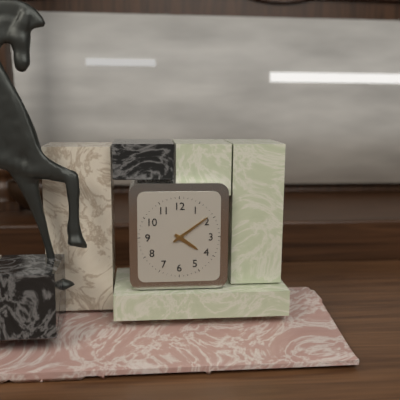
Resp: 4,09
